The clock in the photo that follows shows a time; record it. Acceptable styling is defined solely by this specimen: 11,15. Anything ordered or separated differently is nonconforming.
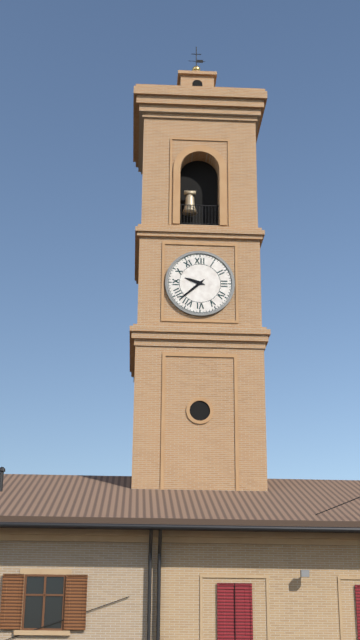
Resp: 9,38
